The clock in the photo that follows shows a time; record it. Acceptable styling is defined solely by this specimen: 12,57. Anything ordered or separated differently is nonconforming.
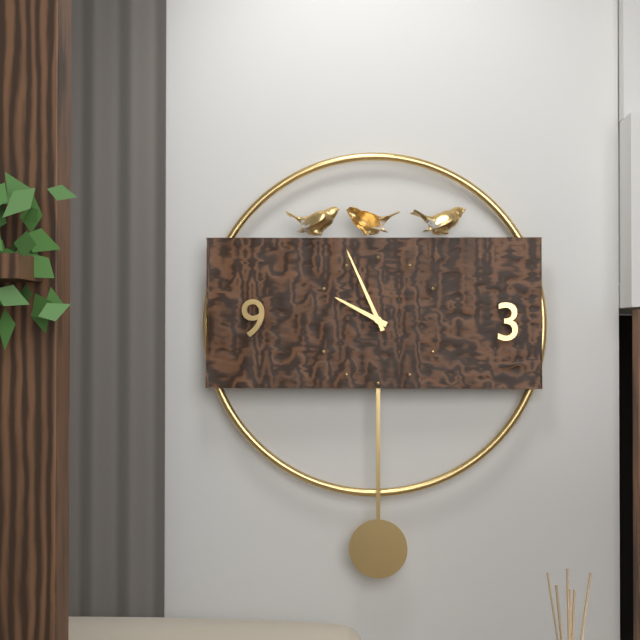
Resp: 9,56
